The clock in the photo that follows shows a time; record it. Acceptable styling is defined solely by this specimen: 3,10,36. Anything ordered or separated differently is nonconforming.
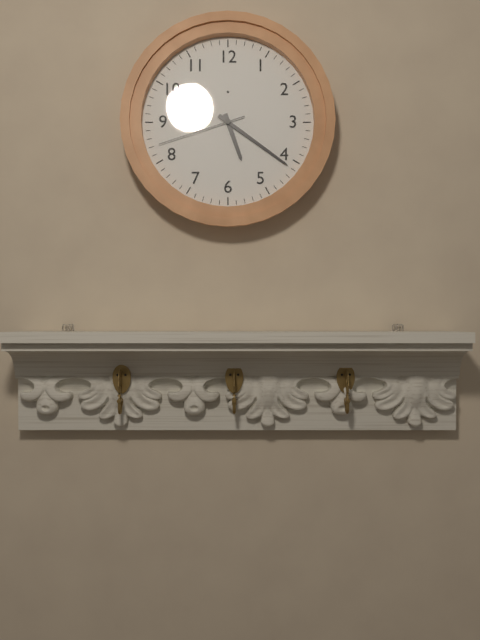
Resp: 5,21,42
